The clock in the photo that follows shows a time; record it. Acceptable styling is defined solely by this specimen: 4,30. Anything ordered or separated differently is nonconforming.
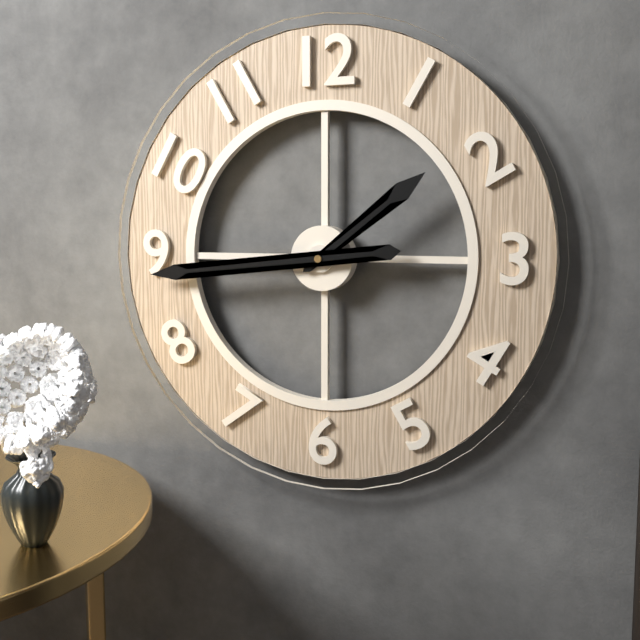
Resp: 1,44
